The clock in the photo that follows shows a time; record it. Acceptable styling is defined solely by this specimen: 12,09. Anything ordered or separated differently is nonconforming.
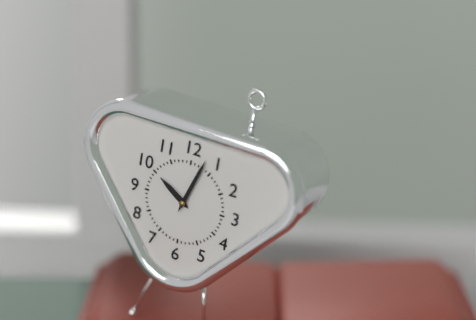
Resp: 10,03
